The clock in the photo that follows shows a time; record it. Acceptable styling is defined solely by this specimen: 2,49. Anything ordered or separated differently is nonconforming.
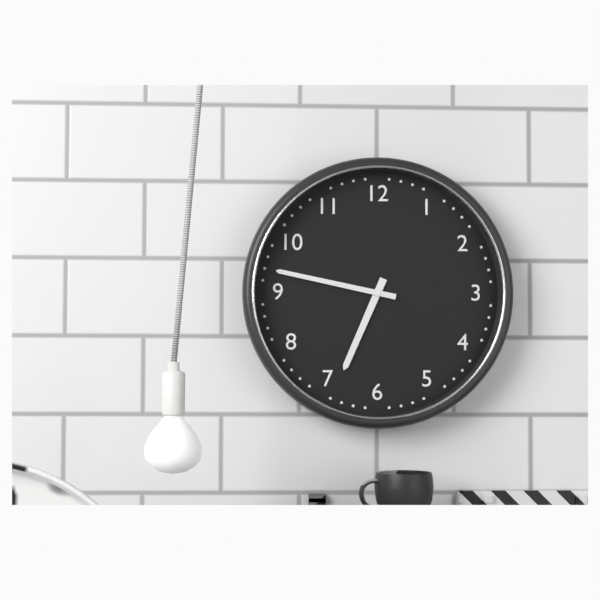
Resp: 6,47
